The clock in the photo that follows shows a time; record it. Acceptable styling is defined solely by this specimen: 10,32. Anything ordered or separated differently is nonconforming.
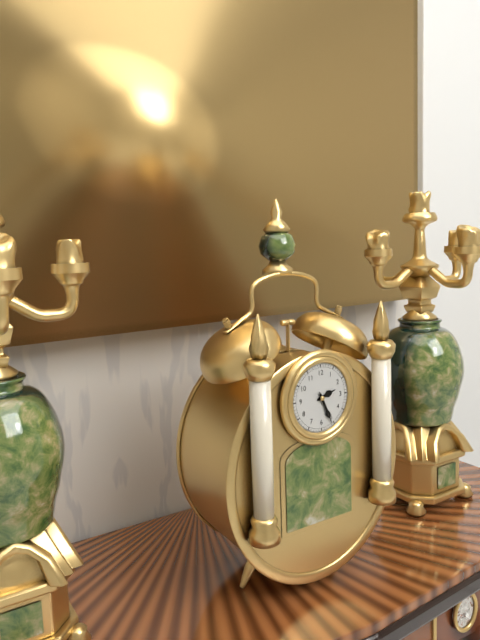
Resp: 2,26
